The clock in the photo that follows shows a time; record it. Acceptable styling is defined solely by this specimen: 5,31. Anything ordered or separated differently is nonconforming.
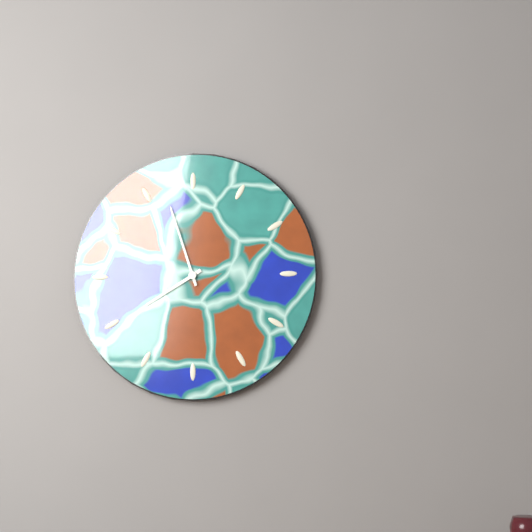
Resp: 7,57
